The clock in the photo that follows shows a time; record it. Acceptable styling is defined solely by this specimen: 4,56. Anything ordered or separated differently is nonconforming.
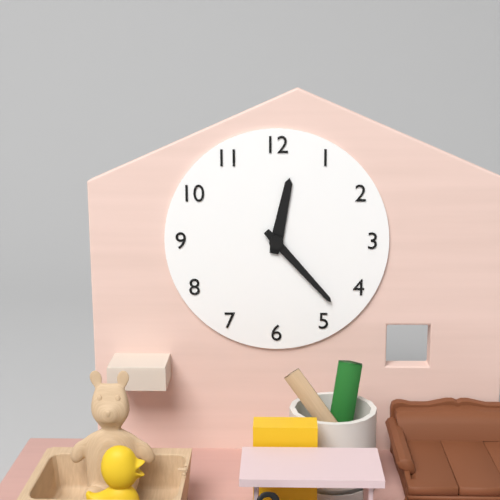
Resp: 12,23
